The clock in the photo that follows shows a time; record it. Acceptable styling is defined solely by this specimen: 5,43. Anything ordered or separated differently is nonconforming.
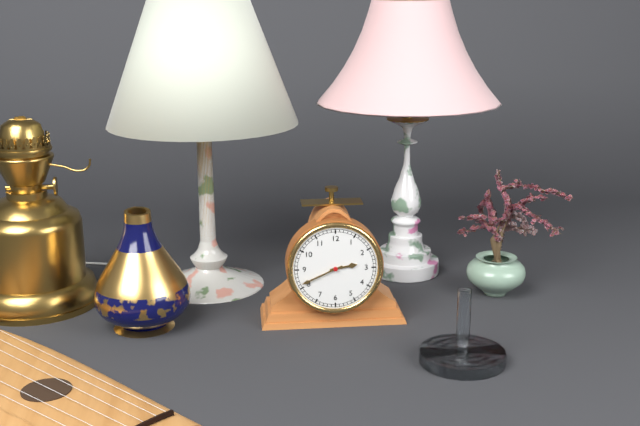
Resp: 2,41
